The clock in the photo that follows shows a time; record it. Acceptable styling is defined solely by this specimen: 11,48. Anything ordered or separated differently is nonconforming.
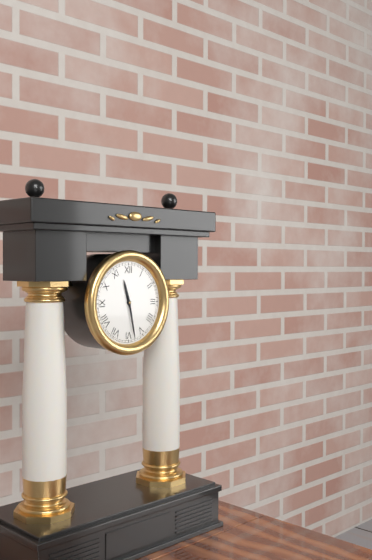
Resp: 11,28
